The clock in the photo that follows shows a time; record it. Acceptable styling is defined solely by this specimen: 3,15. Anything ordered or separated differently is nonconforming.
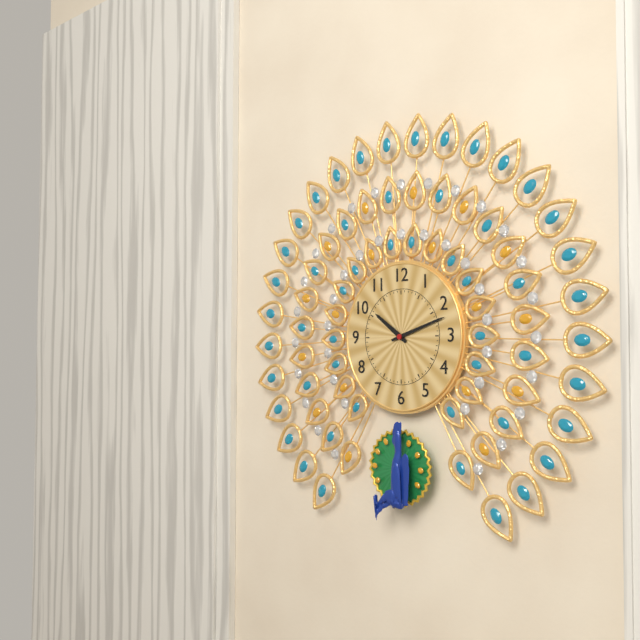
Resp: 10,12
